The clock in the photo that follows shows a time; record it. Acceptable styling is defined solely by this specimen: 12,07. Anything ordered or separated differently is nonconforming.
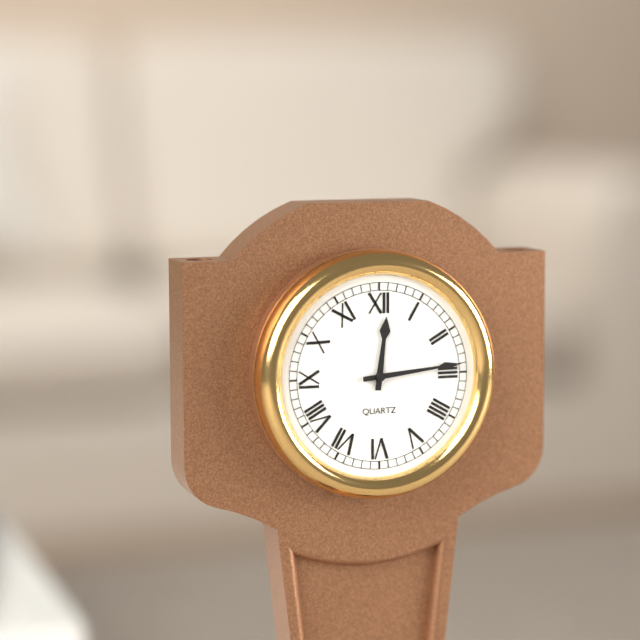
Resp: 12,14
